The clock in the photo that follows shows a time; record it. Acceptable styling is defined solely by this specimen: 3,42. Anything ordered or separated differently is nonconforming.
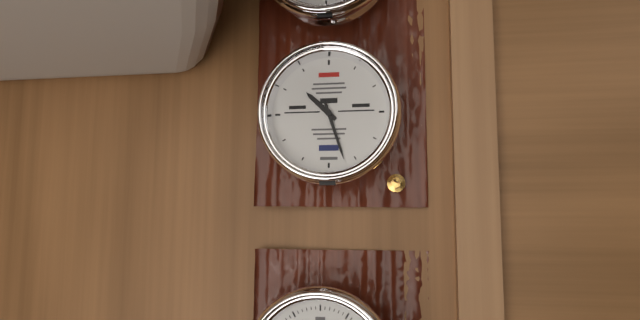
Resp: 10,27
